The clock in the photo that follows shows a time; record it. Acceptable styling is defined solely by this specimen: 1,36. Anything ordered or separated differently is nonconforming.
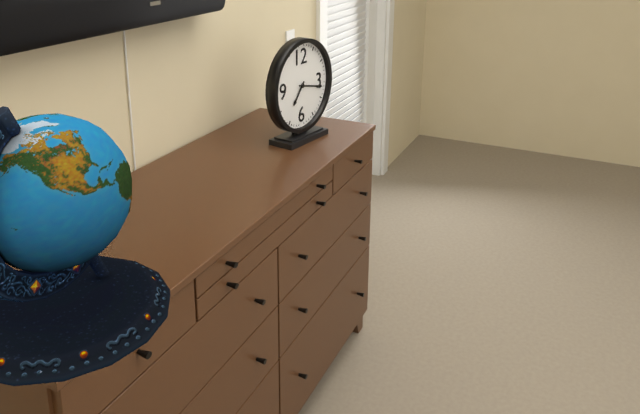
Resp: 7,17
